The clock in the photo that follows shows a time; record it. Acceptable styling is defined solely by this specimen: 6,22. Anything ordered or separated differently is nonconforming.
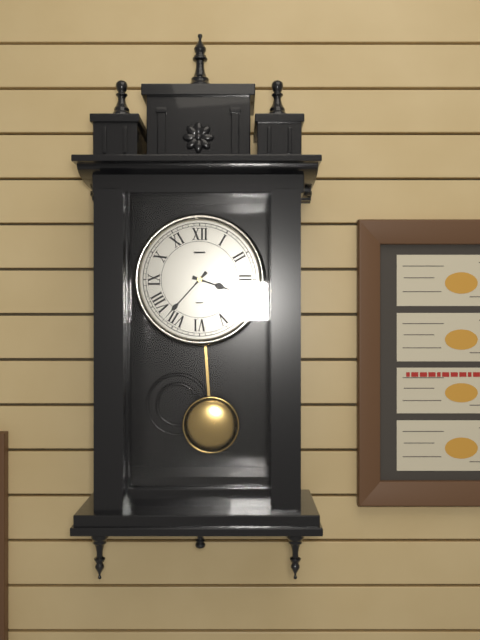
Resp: 3,37
